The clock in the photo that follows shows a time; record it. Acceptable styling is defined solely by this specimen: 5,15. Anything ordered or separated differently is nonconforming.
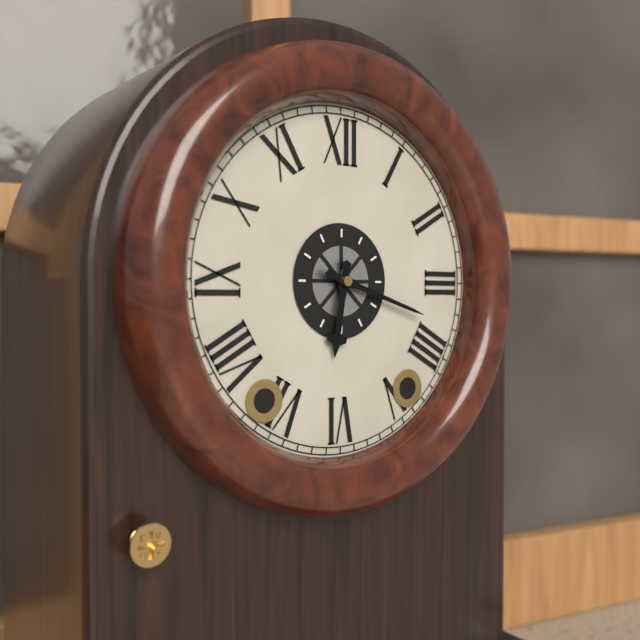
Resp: 6,18
